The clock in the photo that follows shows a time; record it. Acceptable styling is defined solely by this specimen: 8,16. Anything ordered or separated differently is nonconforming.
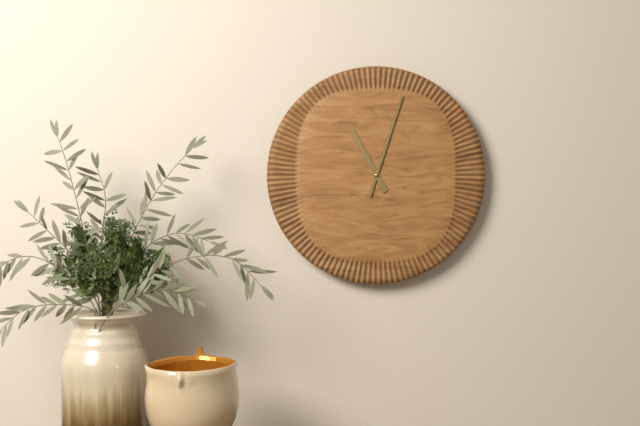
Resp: 11,03
